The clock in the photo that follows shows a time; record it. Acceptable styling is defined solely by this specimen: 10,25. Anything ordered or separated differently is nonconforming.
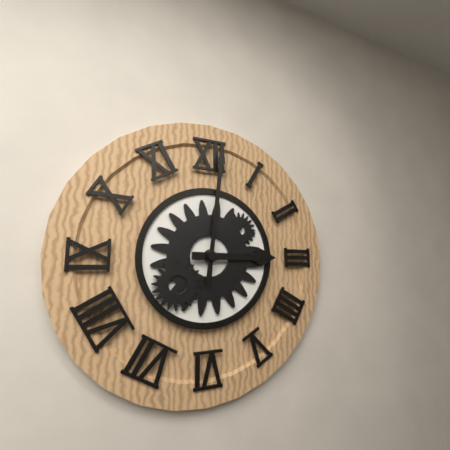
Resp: 3,01
